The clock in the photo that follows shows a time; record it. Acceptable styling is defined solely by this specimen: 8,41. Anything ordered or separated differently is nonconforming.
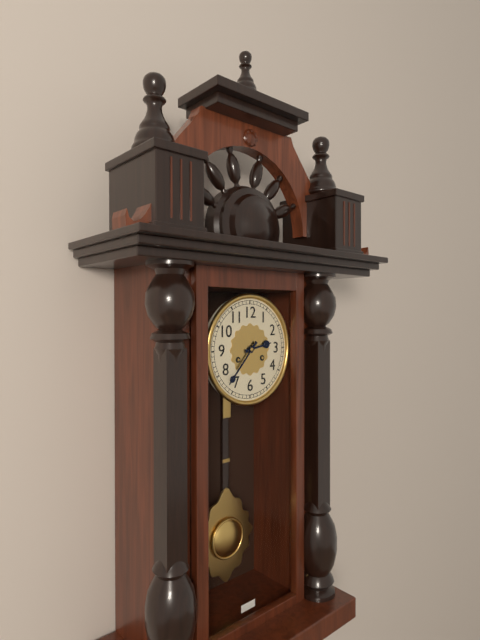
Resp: 2,37
